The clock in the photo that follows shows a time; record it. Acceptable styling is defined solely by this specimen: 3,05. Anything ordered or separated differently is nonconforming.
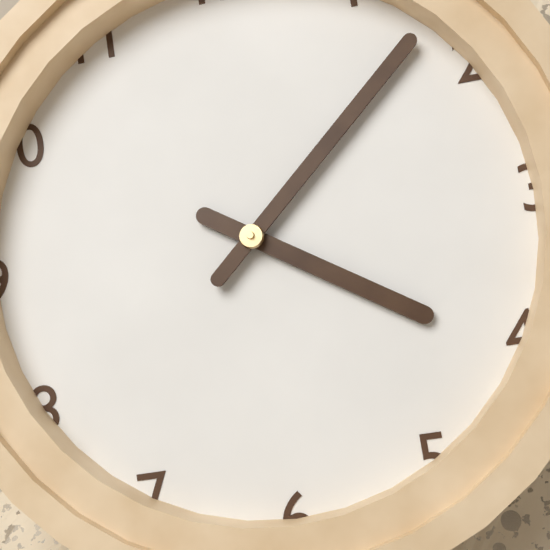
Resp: 4,08
